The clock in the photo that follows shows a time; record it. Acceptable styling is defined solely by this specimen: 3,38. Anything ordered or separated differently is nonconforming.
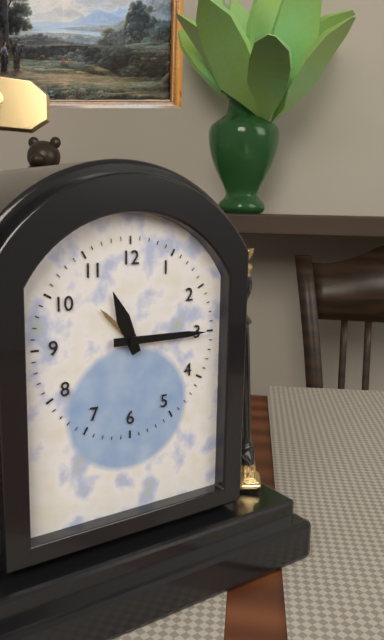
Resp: 11,15
